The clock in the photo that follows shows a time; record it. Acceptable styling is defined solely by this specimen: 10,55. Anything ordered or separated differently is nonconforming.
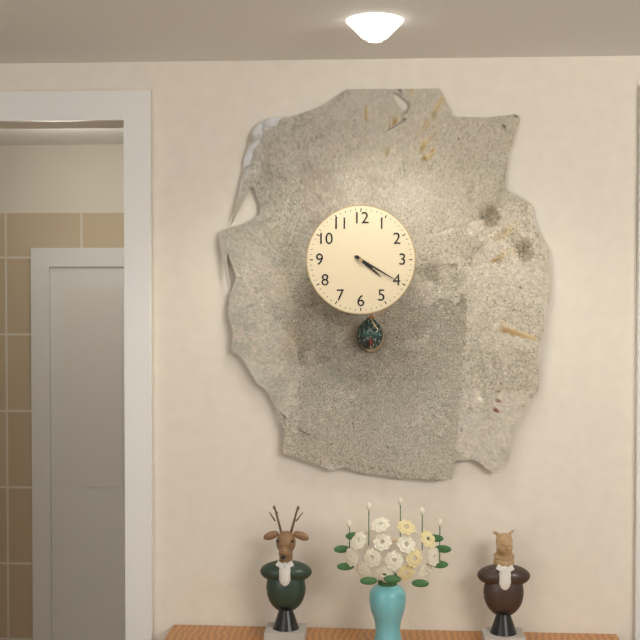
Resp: 4,20
